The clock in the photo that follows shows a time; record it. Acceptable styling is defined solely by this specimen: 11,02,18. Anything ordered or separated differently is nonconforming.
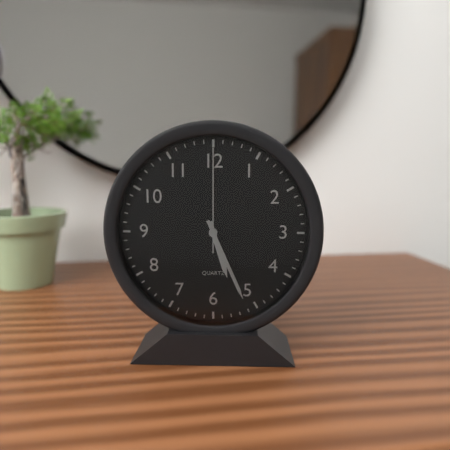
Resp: 5,26,00
